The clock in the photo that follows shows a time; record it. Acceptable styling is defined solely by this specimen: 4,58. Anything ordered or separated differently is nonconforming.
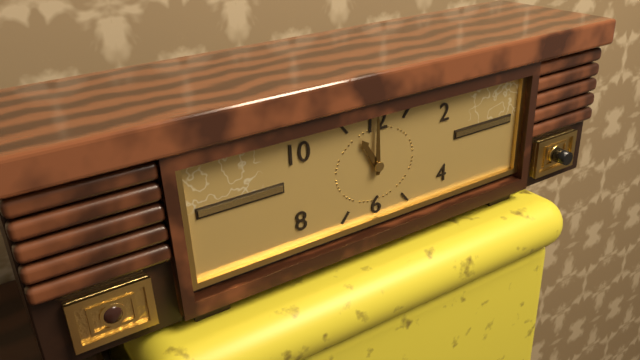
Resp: 11,00
